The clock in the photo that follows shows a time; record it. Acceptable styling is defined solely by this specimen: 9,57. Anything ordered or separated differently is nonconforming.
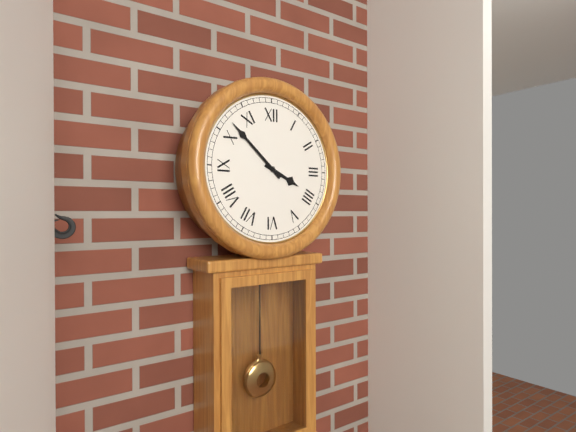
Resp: 3,52
